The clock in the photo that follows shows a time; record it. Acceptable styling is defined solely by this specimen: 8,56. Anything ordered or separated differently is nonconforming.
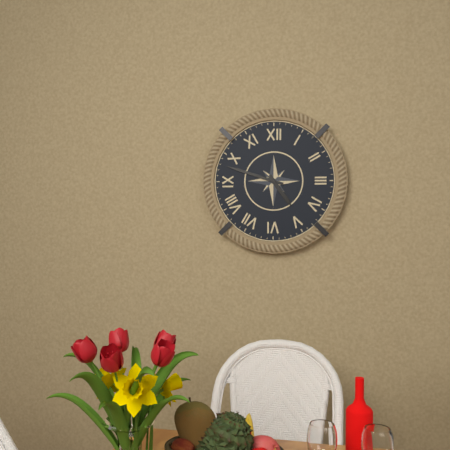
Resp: 4,48
